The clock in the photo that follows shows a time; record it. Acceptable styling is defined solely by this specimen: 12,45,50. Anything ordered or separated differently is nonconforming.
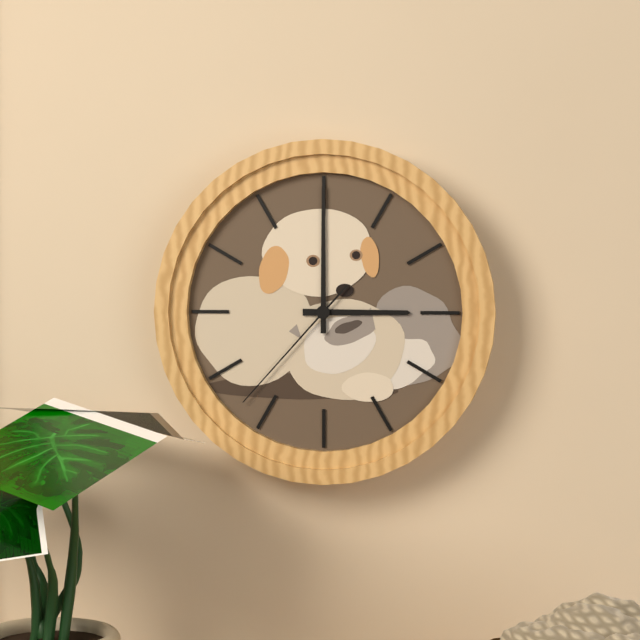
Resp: 3,00,37
